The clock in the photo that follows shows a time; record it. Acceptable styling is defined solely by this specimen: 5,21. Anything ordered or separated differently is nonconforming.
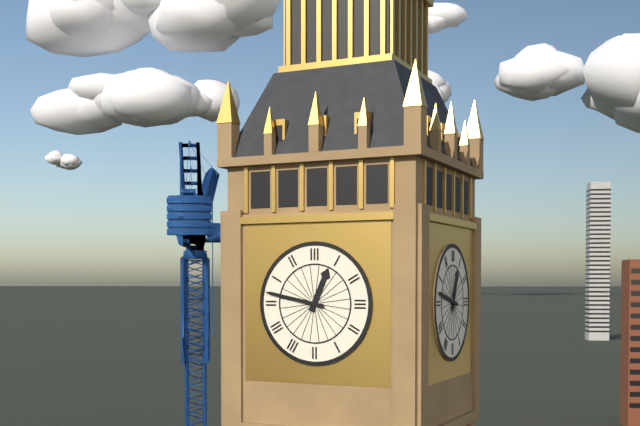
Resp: 12,47
